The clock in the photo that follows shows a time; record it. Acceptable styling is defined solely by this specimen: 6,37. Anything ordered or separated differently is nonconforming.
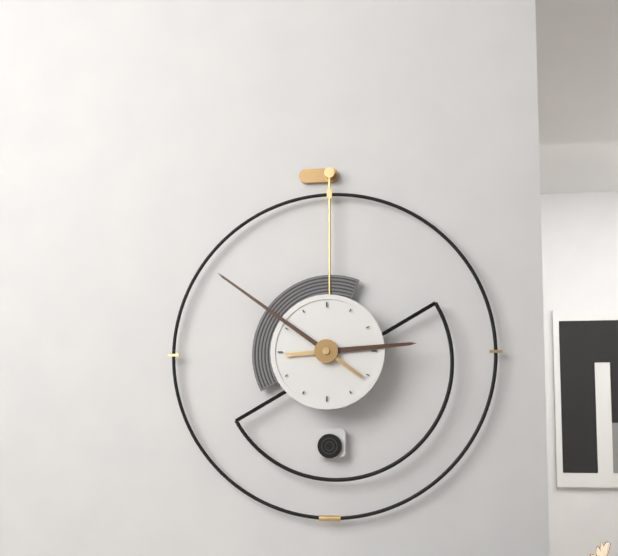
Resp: 2,51
